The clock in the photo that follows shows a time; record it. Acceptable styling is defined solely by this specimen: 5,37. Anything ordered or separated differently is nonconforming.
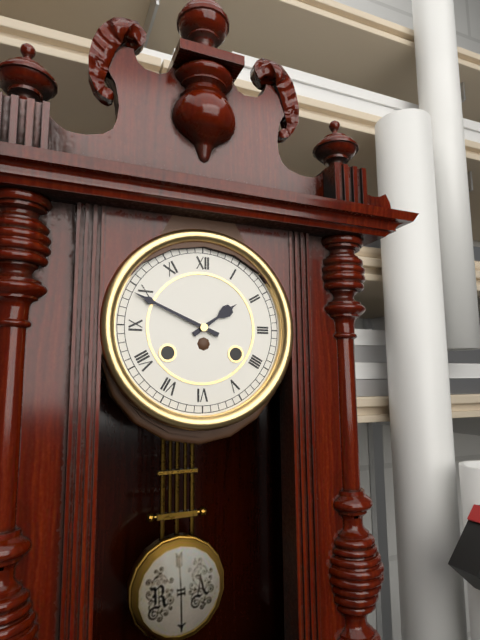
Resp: 1,49
